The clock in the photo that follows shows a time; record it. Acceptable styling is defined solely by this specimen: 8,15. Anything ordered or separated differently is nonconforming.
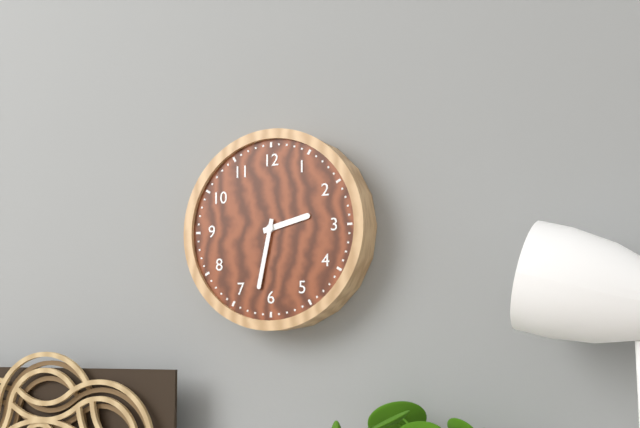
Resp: 2,32
